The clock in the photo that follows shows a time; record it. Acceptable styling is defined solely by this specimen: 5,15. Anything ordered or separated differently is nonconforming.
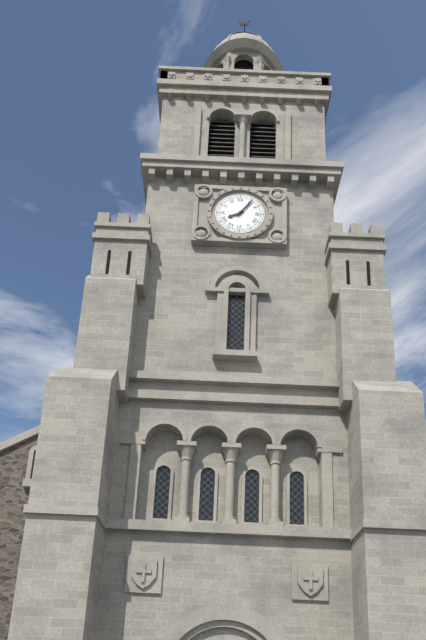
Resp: 8,06
